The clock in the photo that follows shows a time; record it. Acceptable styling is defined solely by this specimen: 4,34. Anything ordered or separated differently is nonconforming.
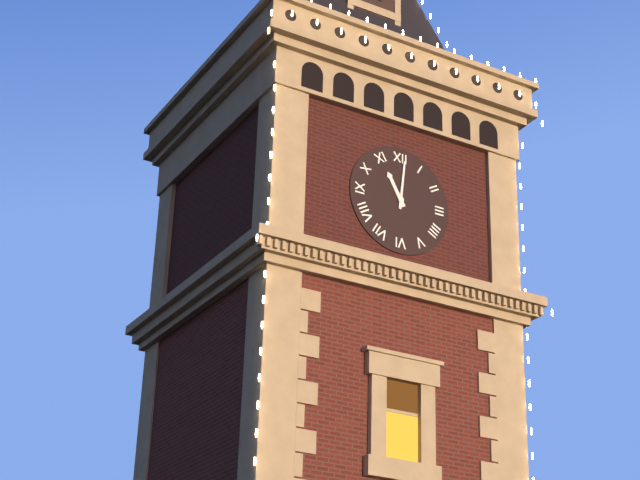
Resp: 11,01
